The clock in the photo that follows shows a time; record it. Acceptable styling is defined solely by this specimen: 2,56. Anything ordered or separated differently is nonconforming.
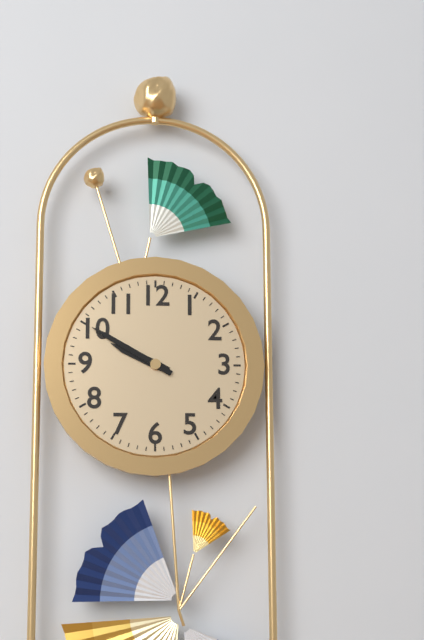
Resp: 9,50
